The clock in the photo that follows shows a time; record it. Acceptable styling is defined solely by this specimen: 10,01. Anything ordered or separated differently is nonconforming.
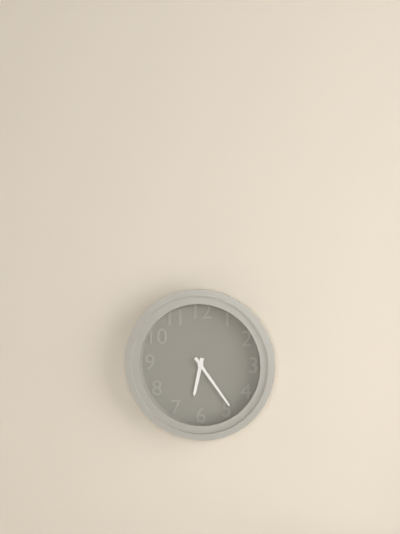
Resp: 6,24
